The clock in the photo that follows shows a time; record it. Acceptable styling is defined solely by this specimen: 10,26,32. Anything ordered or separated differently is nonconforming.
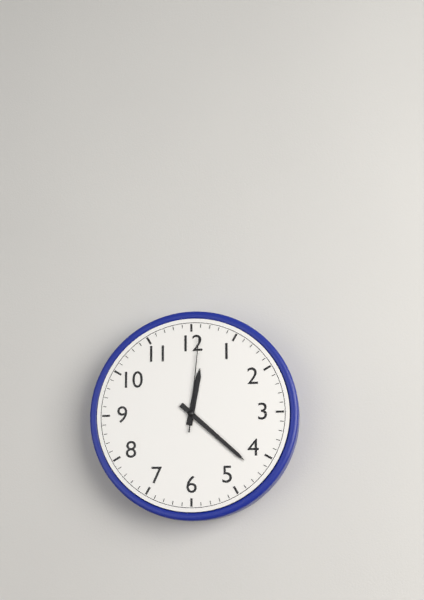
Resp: 12,22,01
